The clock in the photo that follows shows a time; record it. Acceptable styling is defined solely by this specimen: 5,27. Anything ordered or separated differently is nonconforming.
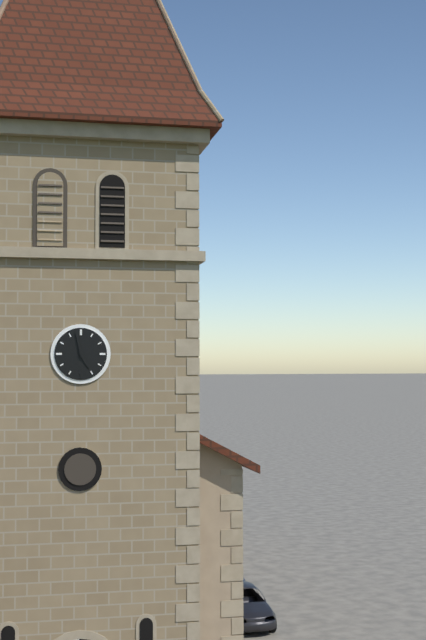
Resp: 4,58
